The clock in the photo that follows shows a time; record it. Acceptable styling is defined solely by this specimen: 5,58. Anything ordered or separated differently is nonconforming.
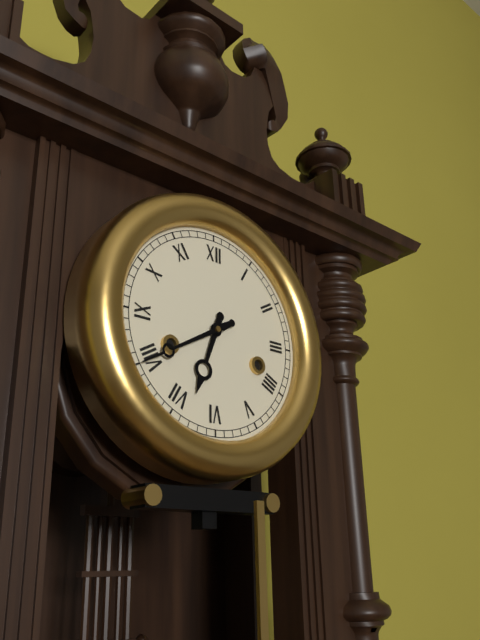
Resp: 6,40
